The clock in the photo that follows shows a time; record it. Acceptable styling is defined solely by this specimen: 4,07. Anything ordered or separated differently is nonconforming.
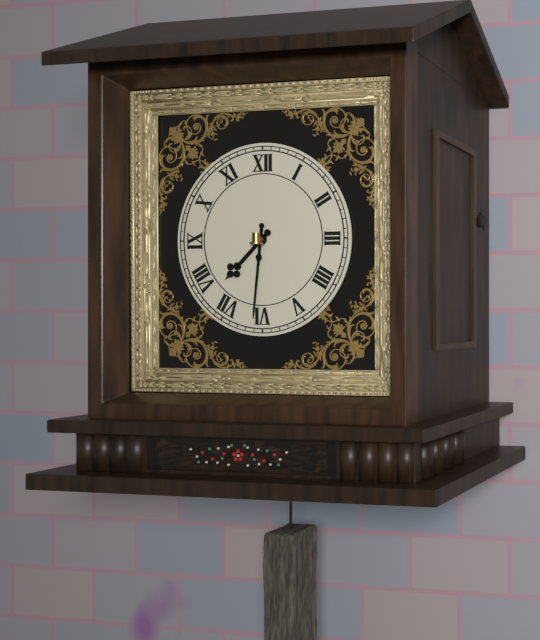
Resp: 7,31
